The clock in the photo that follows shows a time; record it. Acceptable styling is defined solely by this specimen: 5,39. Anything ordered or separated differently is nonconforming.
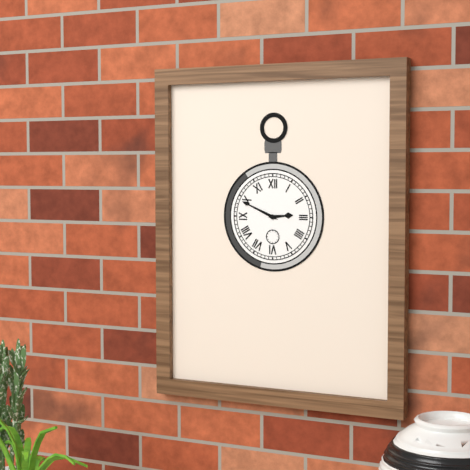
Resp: 2,49
